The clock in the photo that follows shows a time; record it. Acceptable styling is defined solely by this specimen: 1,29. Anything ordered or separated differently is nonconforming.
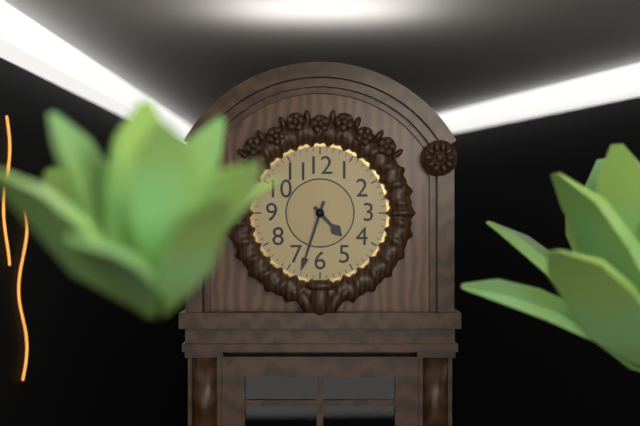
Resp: 4,33
